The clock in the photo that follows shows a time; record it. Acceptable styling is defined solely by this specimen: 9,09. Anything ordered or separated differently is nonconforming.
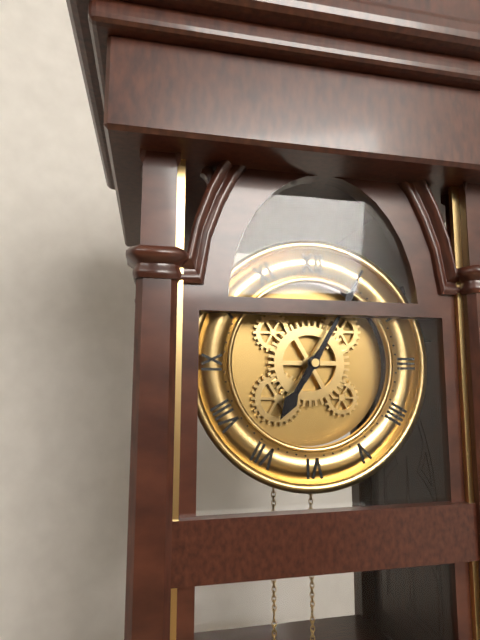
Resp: 7,05
